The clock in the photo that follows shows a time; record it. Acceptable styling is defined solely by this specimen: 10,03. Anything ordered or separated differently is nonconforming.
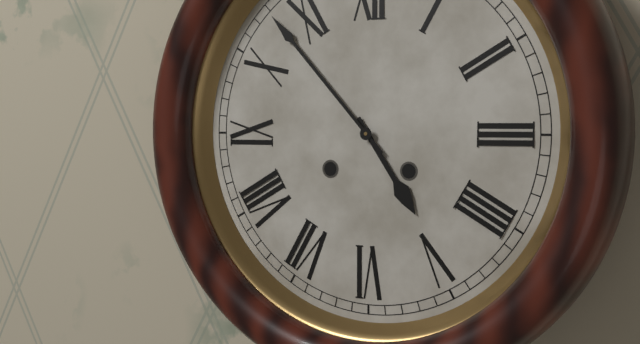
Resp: 4,53
